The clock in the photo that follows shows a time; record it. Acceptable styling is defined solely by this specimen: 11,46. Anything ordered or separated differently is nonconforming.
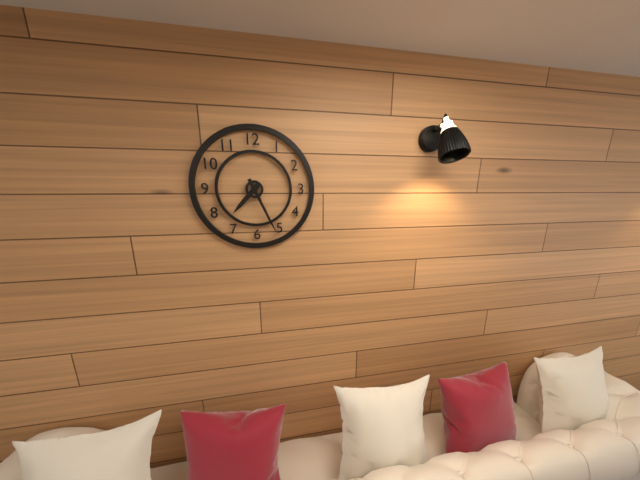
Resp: 7,26
